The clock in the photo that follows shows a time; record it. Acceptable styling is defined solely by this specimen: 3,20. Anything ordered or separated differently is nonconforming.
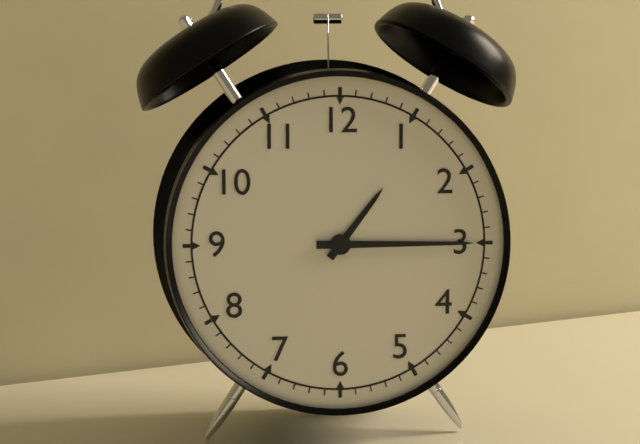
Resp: 1,15
